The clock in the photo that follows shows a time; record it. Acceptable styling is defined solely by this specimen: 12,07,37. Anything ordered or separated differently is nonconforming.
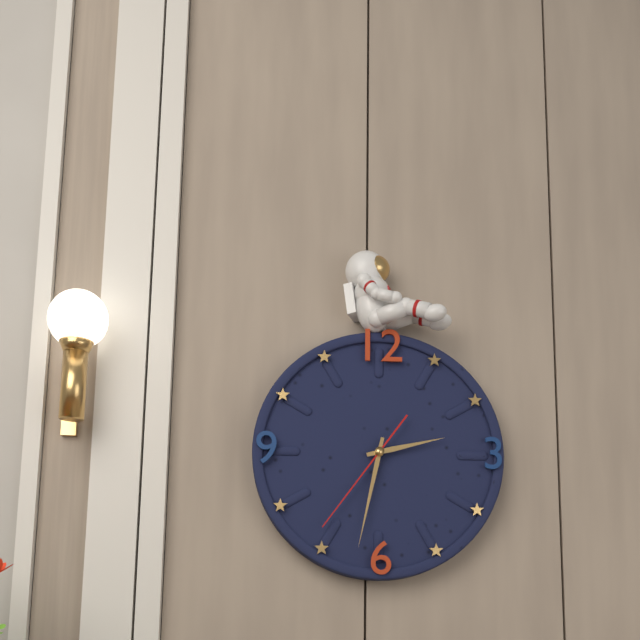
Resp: 2,32,36
